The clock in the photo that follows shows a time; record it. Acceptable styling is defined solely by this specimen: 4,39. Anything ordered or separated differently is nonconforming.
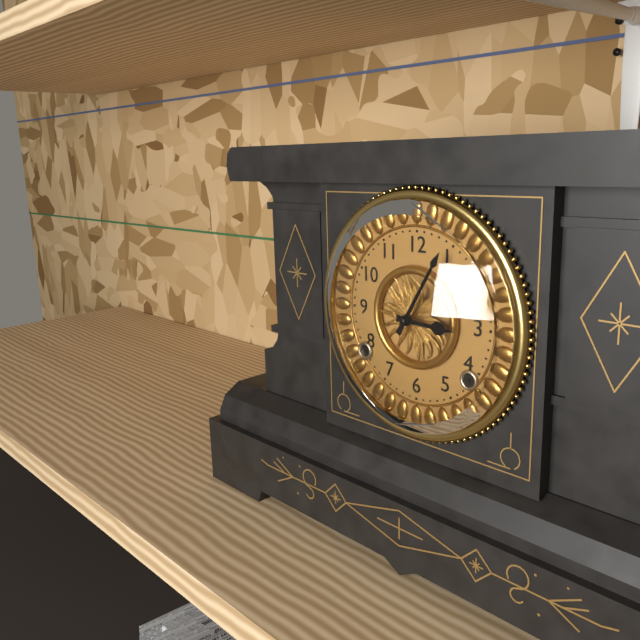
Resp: 3,05
